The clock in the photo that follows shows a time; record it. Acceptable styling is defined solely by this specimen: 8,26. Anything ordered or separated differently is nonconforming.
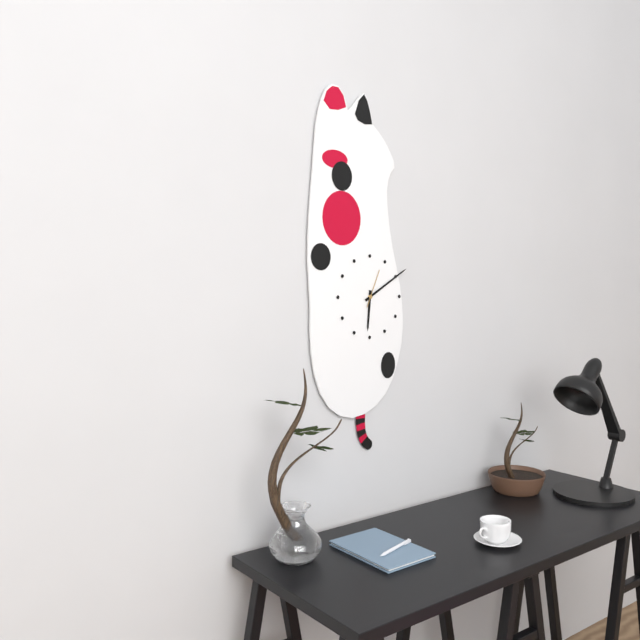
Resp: 6,10
